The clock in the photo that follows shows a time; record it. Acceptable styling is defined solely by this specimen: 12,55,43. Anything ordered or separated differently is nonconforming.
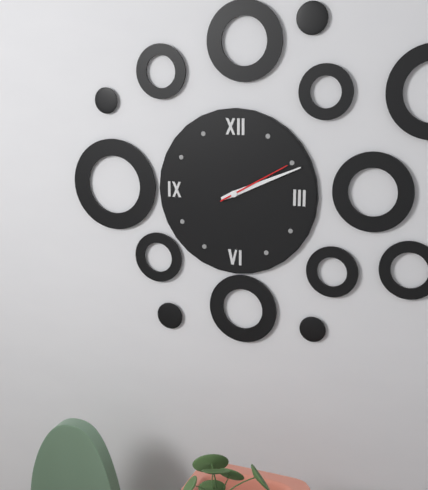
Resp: 2,11,10
